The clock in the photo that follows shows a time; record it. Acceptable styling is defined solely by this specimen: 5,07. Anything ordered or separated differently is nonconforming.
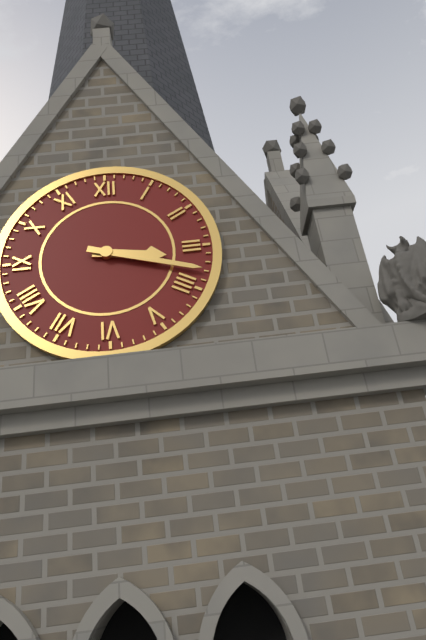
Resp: 3,18
